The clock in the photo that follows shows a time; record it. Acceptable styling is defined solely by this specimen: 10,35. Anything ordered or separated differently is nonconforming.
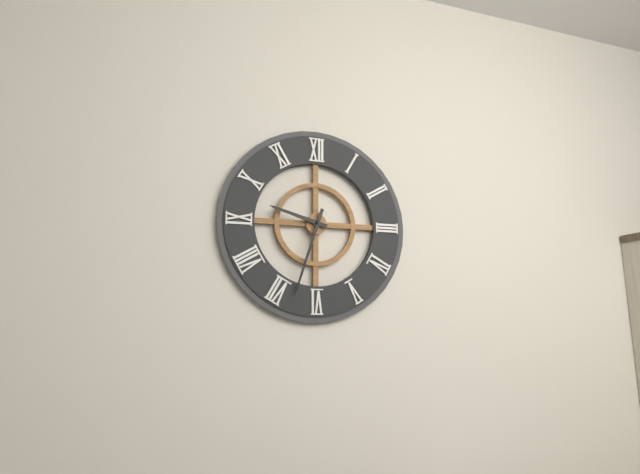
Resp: 9,33
